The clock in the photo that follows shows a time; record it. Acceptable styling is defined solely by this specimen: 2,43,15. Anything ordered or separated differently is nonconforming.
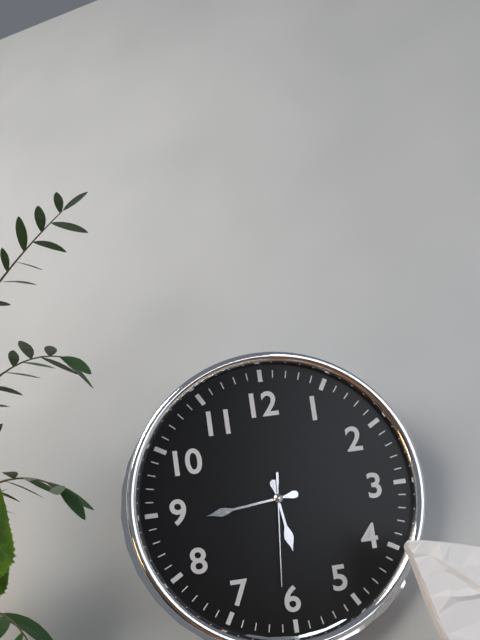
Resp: 5,44,31
